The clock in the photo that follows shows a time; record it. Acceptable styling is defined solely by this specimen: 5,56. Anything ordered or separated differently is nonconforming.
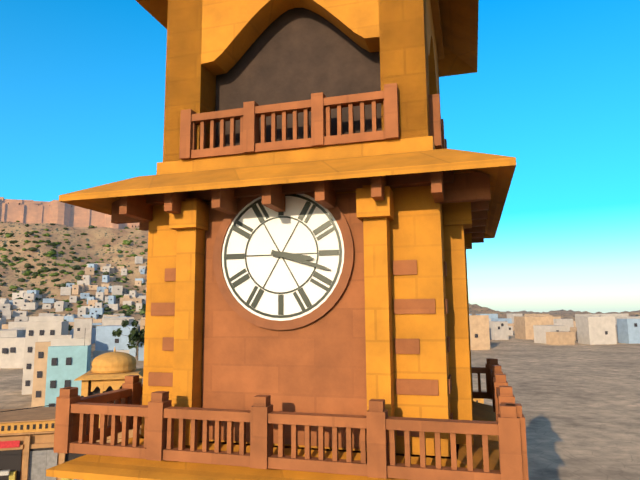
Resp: 3,18
